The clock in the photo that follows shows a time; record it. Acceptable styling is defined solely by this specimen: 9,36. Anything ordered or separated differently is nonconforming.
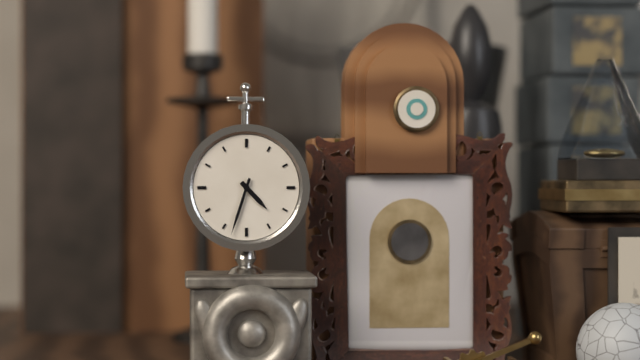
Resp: 4,33
